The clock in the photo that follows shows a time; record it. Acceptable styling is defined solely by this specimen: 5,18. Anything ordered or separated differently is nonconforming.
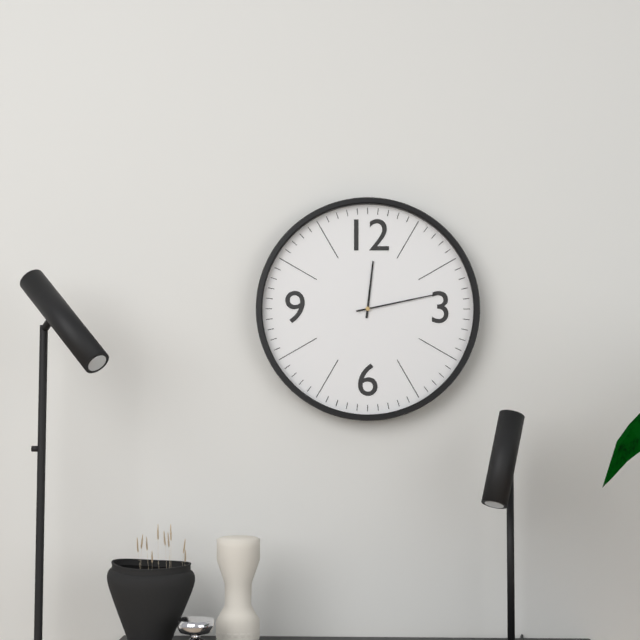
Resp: 12,13
